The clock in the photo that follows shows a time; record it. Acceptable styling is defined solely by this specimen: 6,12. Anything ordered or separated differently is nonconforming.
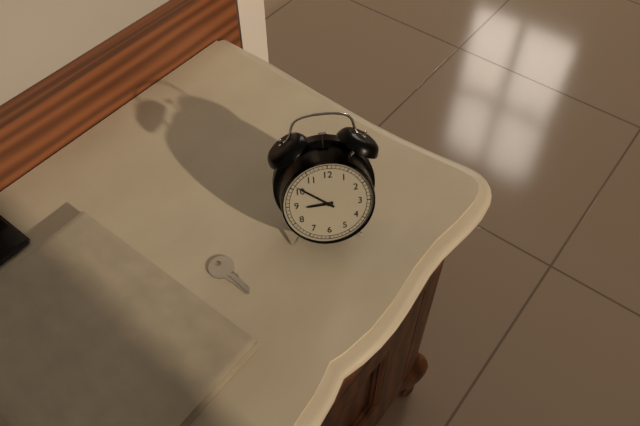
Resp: 8,51
